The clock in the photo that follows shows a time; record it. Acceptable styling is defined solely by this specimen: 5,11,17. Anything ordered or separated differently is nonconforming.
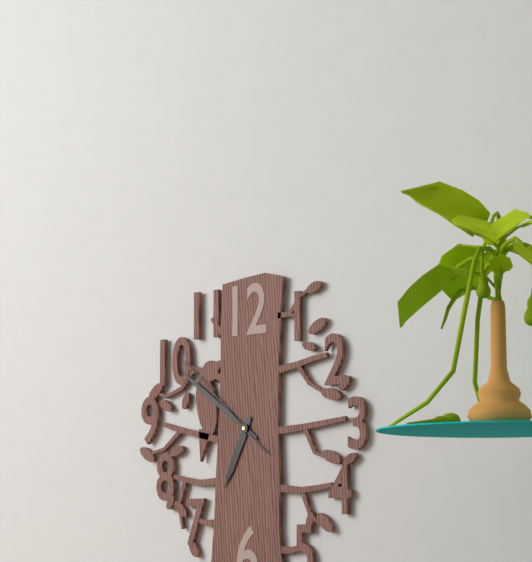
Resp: 6,51,52
